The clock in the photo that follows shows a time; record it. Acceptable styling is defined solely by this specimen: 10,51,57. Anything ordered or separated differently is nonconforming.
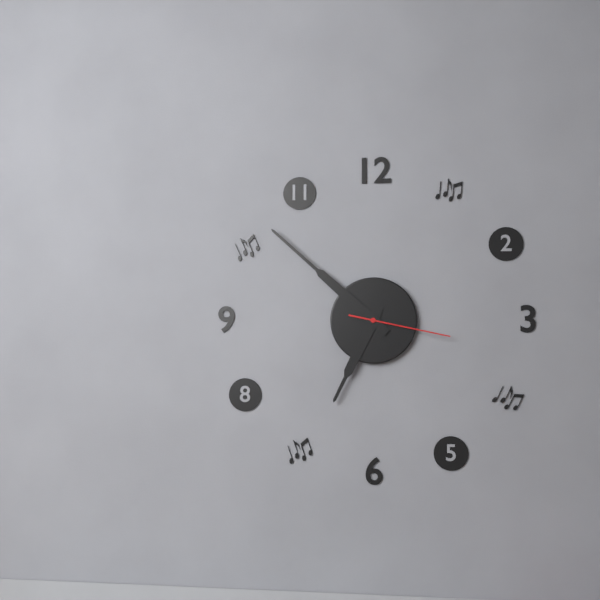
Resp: 6,52,17
